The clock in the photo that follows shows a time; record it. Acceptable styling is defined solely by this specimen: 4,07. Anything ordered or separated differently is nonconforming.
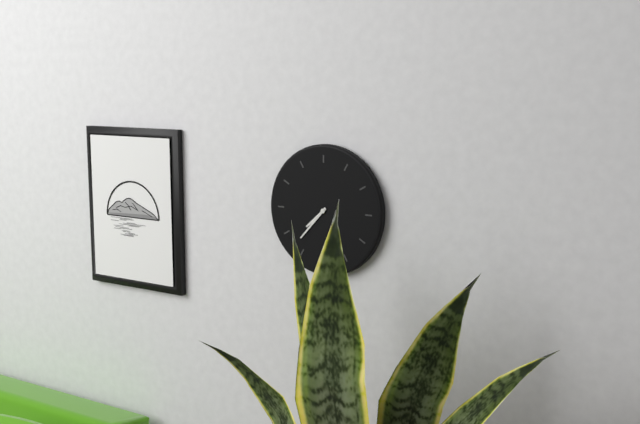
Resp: 7,37
